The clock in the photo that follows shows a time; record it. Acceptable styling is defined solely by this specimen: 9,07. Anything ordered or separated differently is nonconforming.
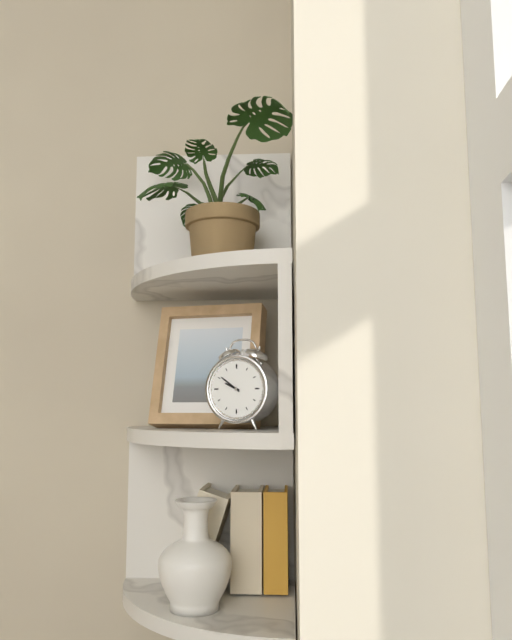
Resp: 9,51
